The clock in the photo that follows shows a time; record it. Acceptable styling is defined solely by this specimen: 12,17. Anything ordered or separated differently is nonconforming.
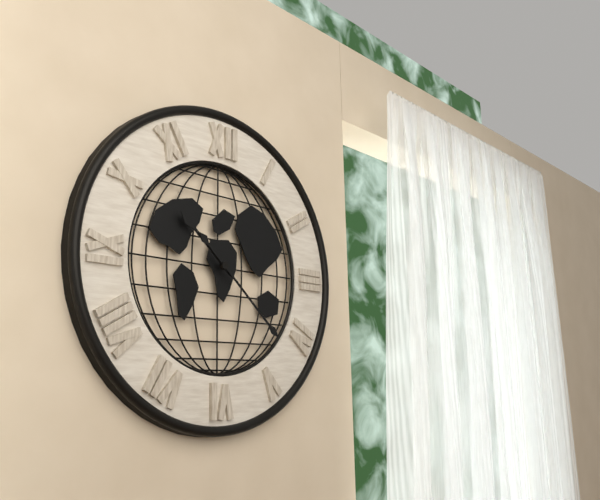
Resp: 10,22
